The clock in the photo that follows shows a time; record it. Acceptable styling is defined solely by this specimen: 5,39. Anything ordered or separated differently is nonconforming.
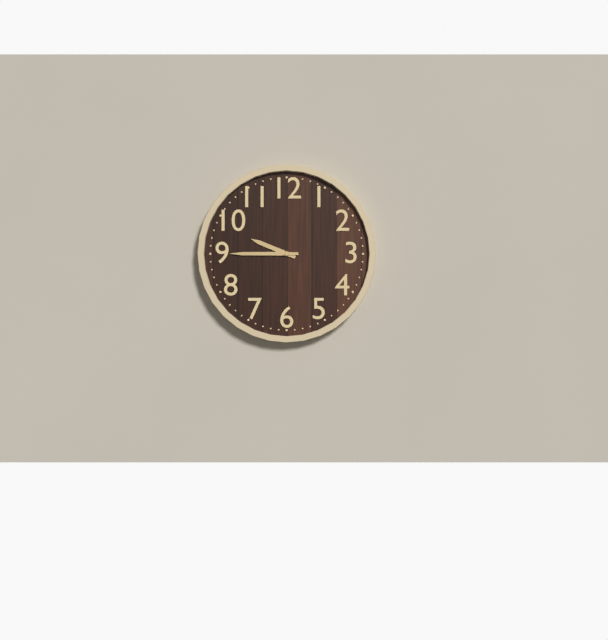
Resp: 9,45
